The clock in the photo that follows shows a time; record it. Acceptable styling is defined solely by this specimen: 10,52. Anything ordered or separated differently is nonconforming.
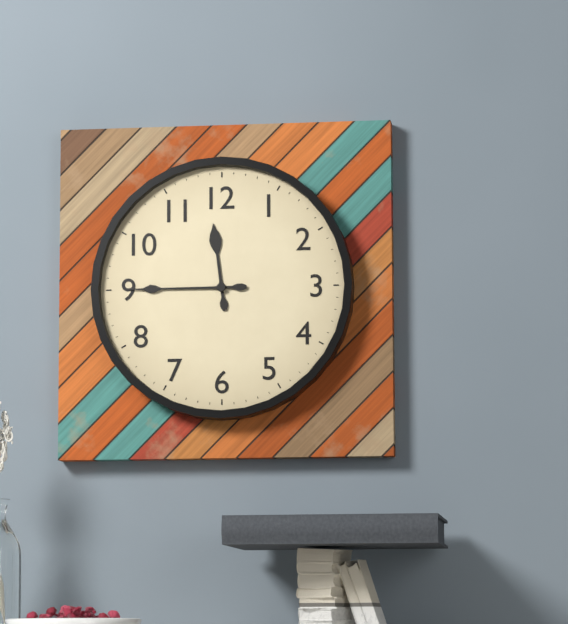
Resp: 11,45
